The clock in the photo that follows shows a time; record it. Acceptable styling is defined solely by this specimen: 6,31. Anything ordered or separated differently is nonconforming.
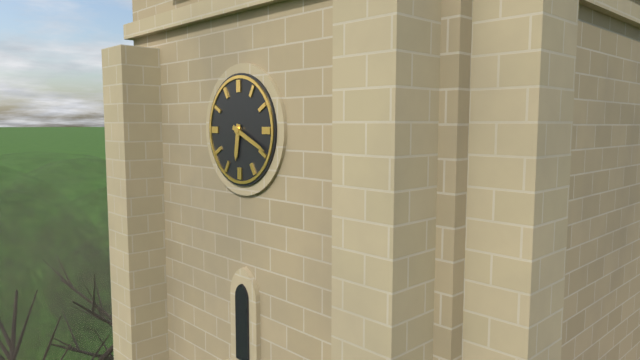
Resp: 6,19
